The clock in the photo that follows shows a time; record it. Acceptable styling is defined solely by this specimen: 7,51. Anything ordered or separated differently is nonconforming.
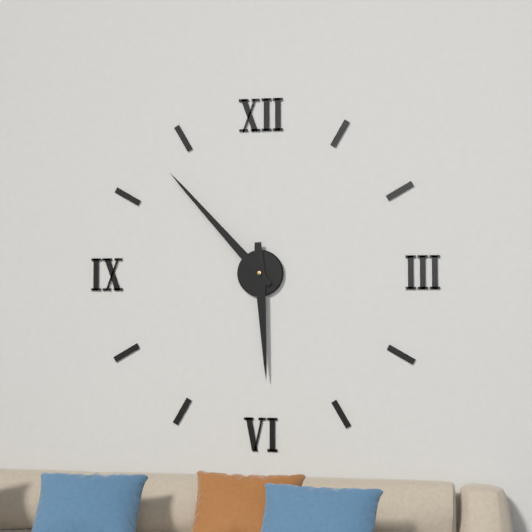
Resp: 5,53
